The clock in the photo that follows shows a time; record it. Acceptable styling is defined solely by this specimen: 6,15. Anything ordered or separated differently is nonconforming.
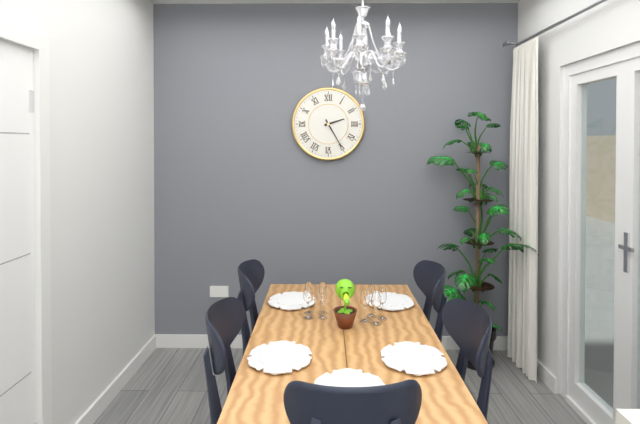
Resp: 2,25
